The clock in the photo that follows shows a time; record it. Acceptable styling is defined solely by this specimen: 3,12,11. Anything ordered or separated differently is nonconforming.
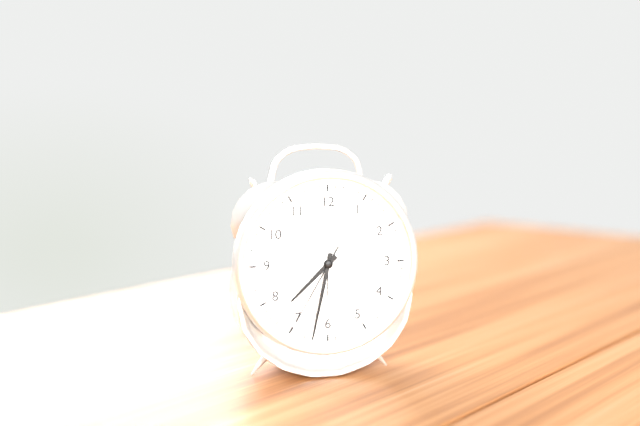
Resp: 7,32,35
